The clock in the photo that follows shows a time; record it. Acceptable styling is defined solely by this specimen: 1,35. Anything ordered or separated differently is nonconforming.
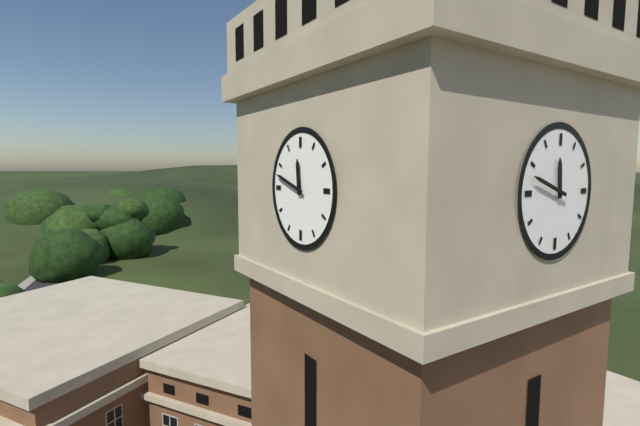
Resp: 11,48
